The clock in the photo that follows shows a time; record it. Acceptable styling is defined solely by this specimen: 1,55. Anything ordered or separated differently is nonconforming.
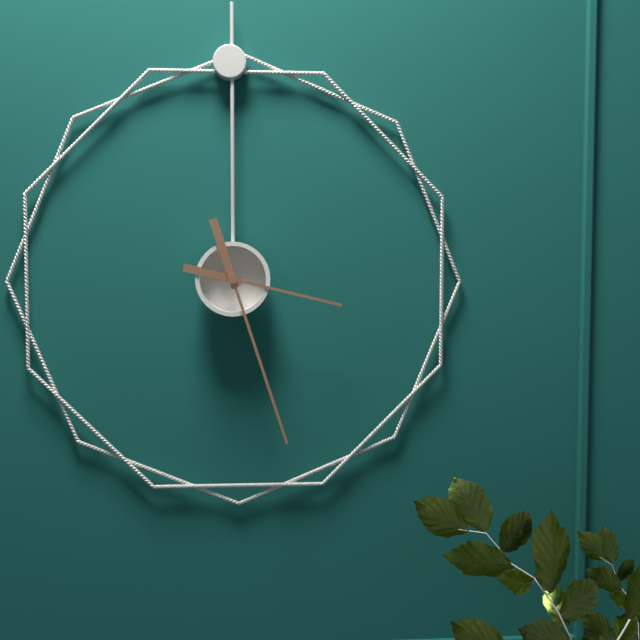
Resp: 3,27
